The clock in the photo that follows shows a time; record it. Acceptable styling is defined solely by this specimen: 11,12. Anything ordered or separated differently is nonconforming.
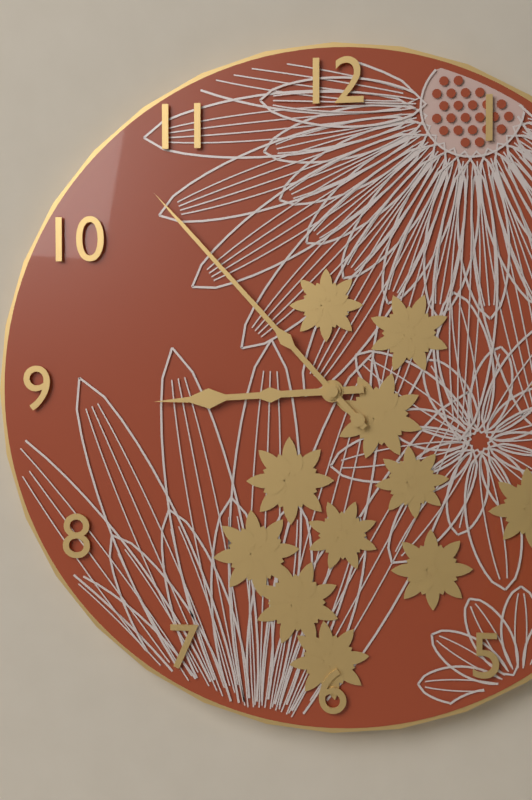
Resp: 8,53
